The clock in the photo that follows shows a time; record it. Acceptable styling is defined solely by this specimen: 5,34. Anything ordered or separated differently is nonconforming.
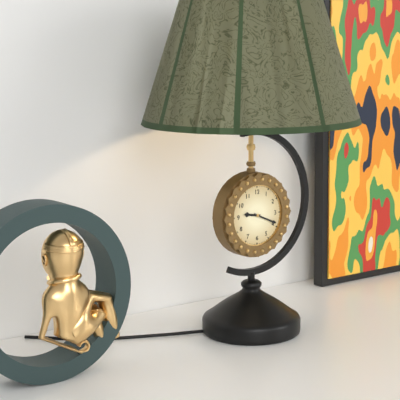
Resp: 9,19
